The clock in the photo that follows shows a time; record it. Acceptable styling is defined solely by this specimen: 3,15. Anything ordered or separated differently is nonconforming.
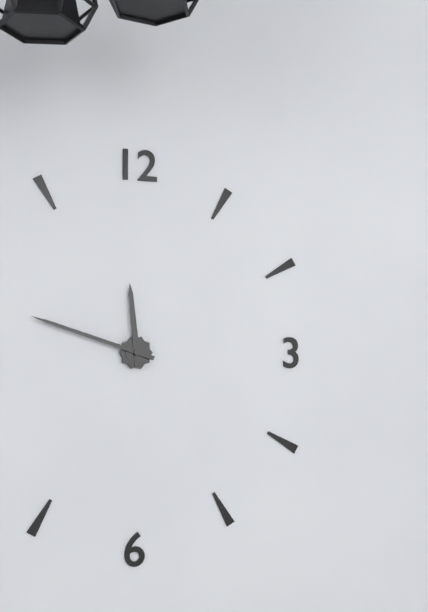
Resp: 11,48
